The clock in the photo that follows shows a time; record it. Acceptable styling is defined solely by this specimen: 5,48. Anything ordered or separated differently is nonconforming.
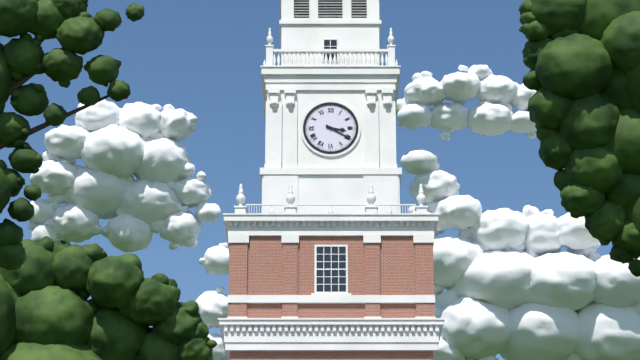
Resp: 3,20
